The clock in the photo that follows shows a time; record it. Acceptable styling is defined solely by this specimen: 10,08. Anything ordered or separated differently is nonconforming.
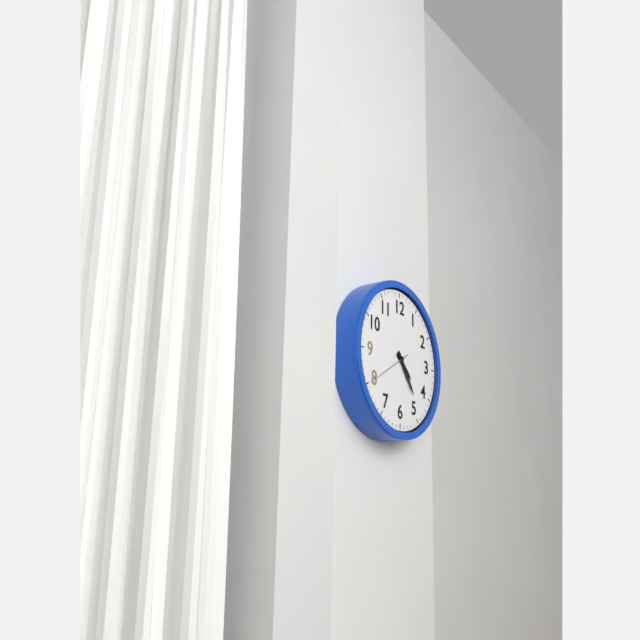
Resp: 4,24
